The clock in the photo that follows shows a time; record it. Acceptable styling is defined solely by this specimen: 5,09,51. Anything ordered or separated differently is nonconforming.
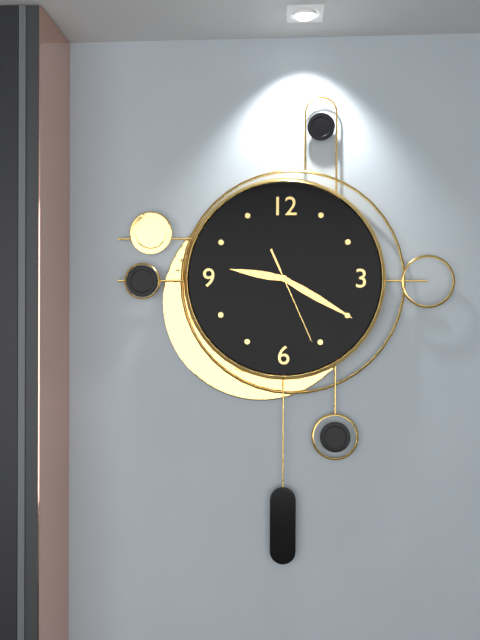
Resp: 9,20,26
